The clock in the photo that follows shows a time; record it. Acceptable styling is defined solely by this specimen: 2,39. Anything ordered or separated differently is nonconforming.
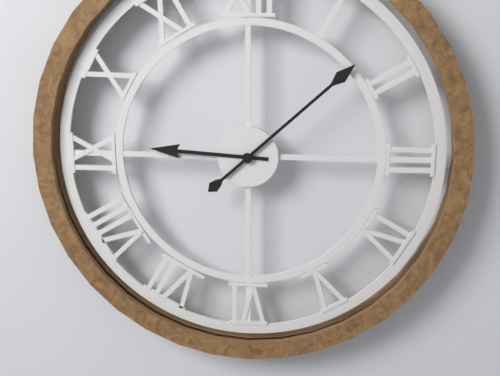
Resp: 9,08
